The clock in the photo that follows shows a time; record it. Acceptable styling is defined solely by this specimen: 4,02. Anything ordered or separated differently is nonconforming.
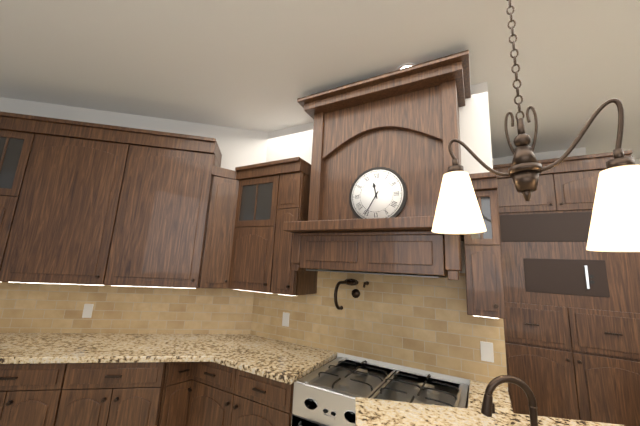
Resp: 11,35
